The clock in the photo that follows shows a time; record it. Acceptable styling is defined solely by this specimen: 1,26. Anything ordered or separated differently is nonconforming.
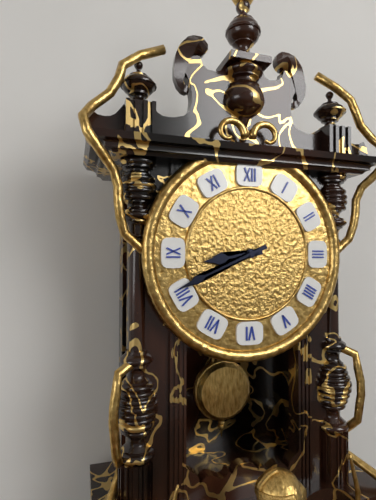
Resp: 8,41
